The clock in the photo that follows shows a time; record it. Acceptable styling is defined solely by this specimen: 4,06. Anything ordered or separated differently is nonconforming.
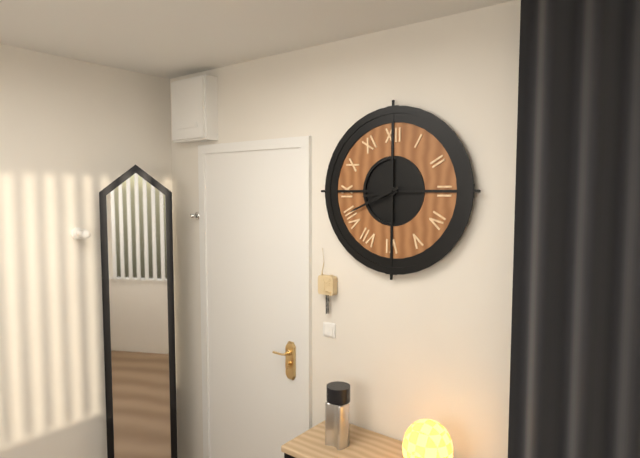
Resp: 8,41
